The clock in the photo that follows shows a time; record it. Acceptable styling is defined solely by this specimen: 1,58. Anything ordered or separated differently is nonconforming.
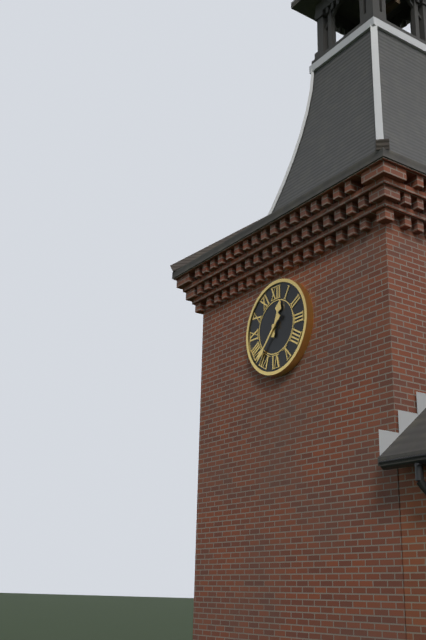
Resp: 12,37
